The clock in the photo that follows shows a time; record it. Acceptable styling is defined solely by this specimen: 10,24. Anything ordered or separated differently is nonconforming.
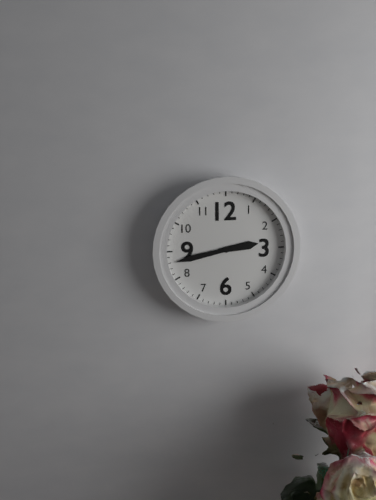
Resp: 2,43
